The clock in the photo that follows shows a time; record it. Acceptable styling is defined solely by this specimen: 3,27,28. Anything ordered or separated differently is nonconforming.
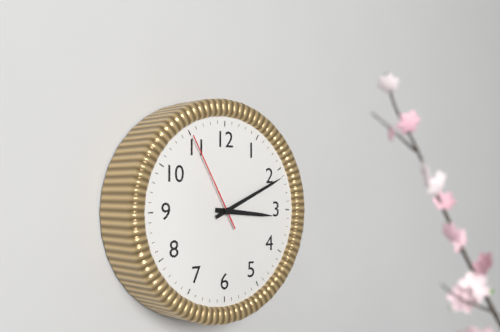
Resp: 3,11,55
